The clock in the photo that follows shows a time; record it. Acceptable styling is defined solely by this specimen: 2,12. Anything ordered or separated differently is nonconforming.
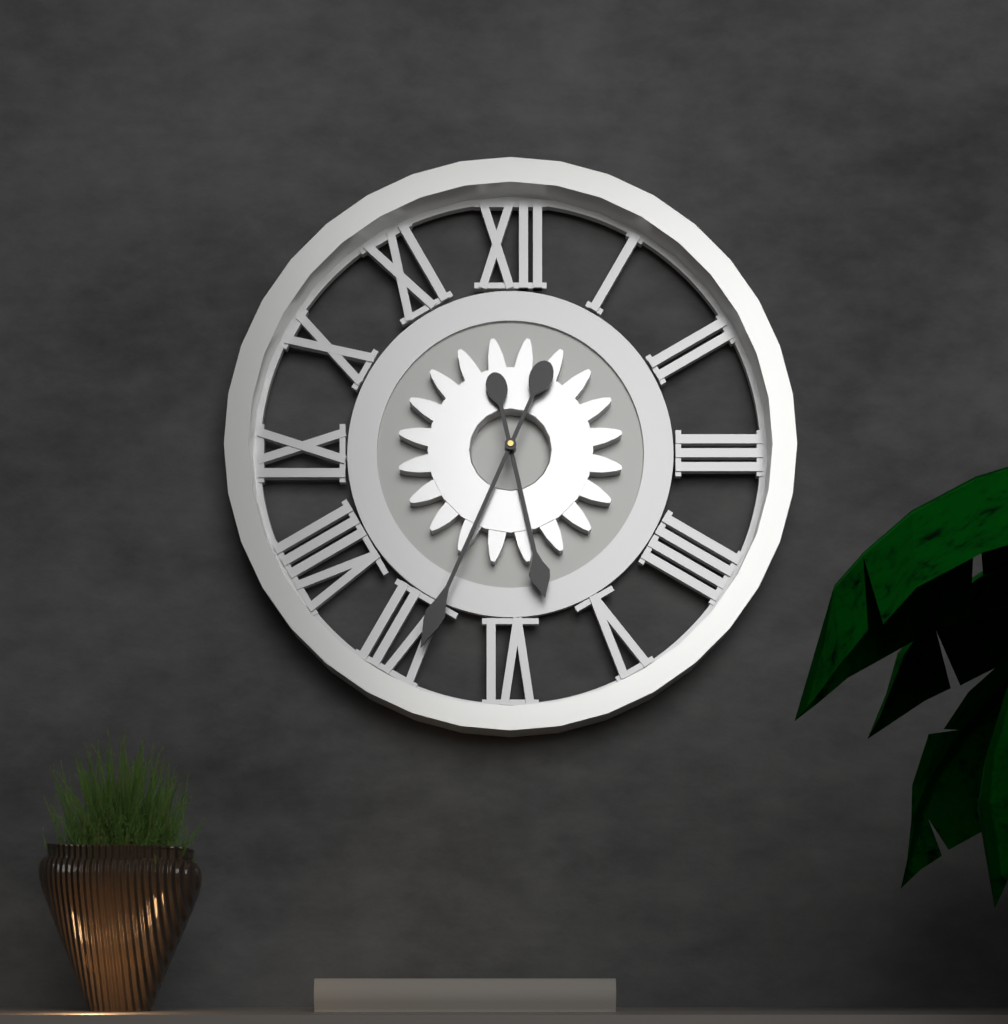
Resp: 5,34
